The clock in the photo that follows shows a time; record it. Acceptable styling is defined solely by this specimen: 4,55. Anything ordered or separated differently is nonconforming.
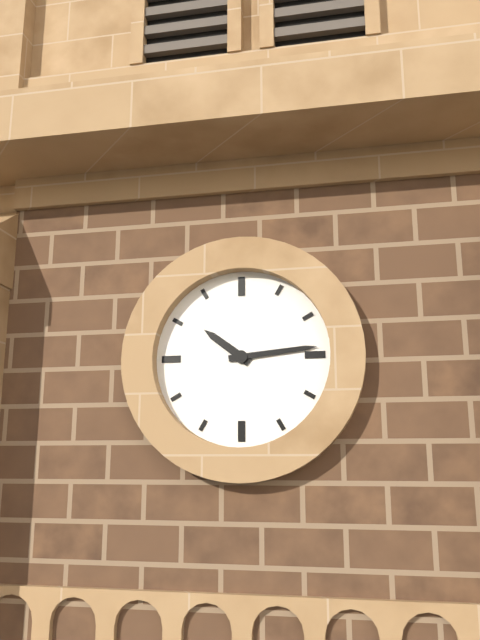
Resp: 10,14
